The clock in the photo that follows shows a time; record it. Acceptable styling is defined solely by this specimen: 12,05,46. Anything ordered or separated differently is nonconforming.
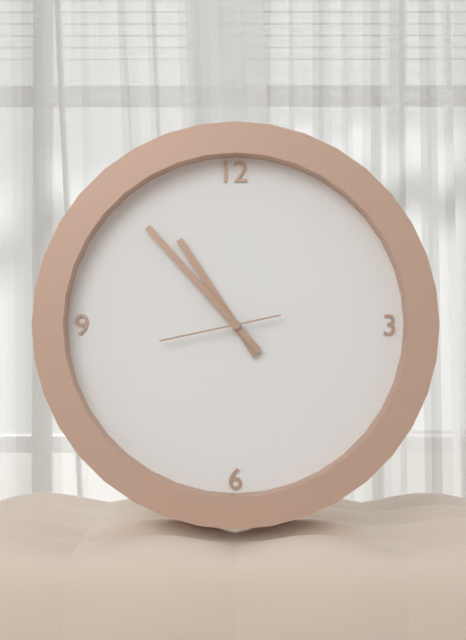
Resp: 10,53,43
